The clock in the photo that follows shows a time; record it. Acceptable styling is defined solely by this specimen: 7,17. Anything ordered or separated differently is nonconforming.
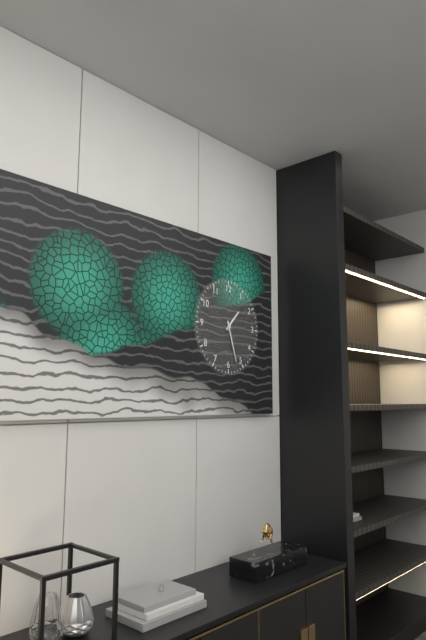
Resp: 1,27
